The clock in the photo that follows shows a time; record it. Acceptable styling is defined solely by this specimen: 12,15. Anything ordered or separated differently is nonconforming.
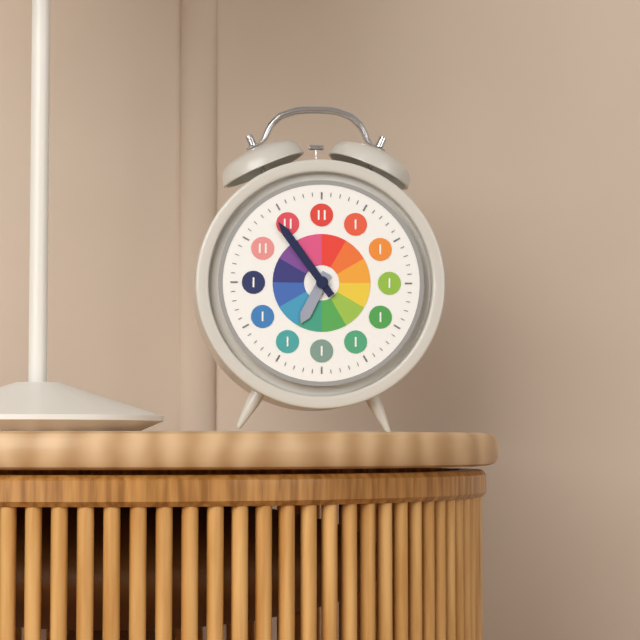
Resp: 6,54
